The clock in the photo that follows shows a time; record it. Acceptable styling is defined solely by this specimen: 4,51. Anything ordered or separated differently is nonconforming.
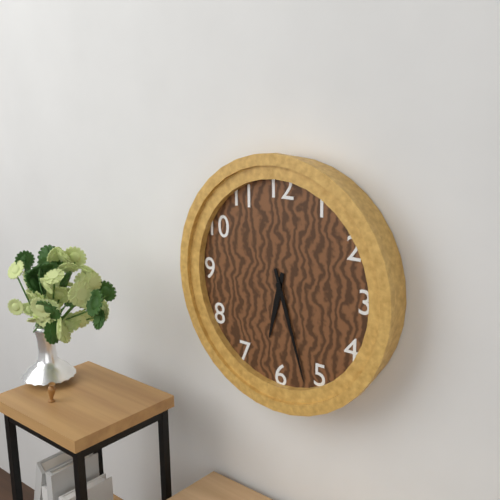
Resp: 6,27
